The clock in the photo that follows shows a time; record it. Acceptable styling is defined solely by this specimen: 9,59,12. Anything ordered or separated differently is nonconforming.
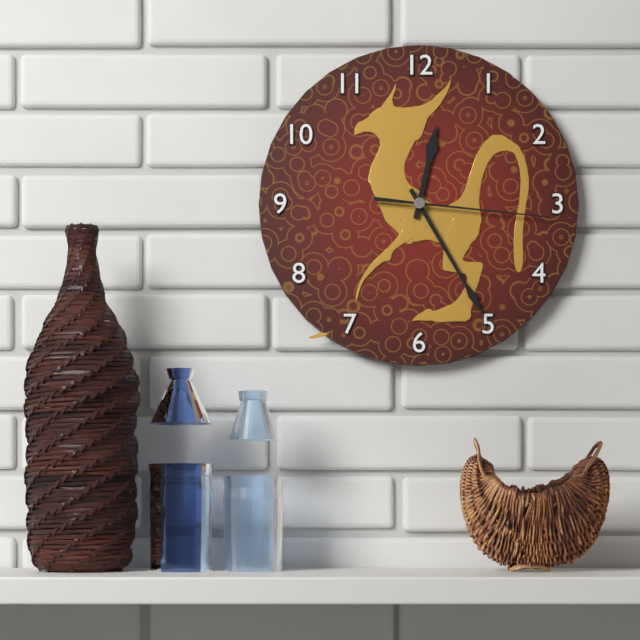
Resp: 12,25,16
